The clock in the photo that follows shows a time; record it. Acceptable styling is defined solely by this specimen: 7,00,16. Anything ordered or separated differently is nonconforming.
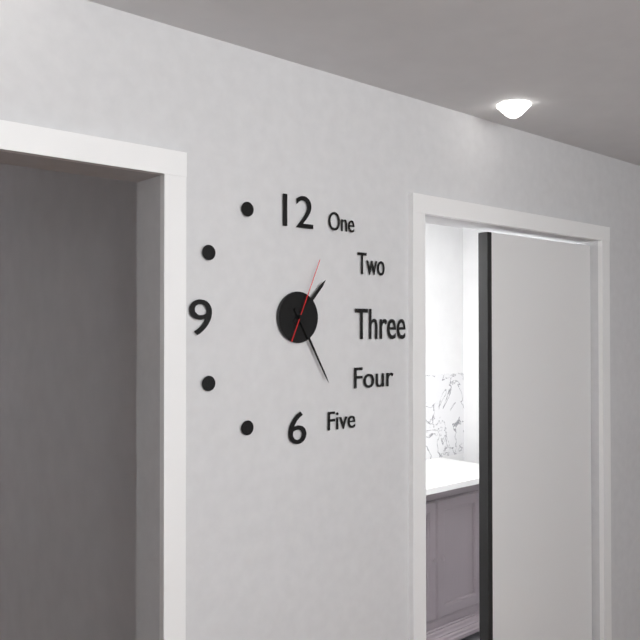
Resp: 1,25,04
